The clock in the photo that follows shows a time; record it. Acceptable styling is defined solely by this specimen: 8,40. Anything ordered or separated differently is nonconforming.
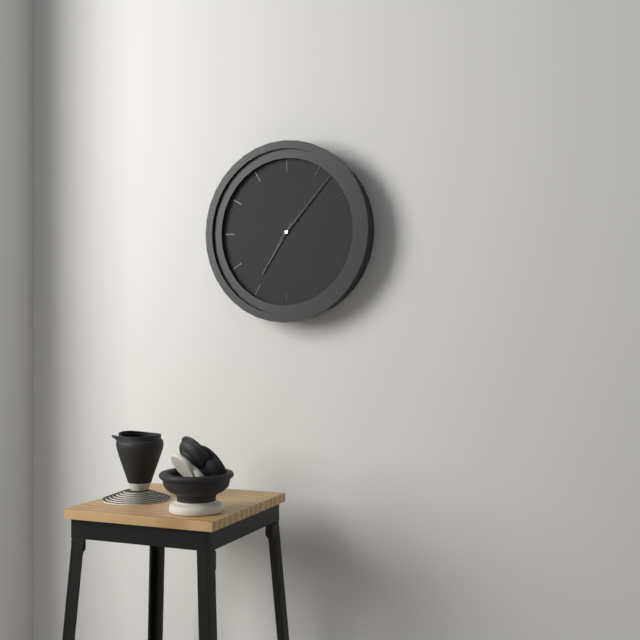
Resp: 7,07
